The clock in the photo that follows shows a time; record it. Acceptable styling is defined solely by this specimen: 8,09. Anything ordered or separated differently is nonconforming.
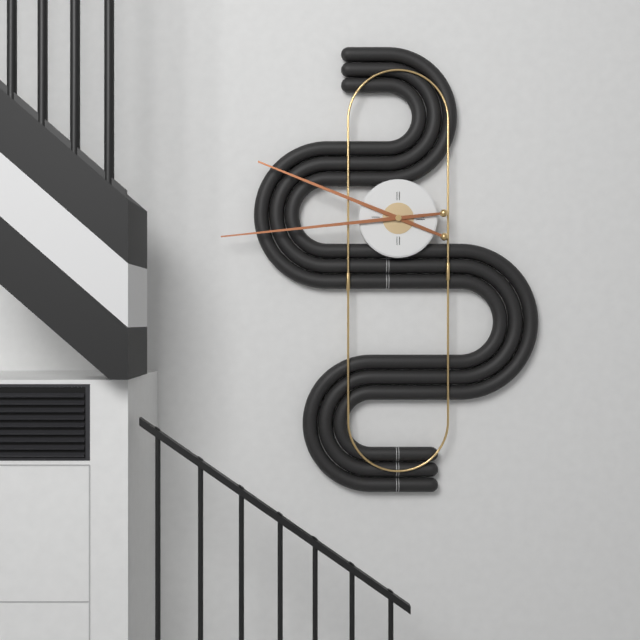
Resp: 9,44
